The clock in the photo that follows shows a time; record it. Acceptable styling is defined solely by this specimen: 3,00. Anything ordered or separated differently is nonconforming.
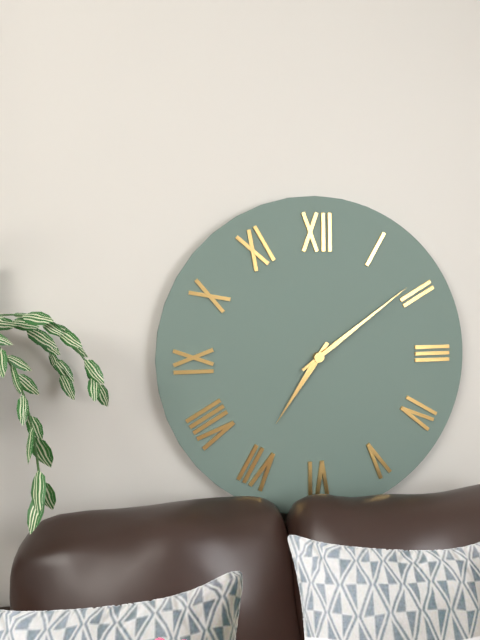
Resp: 7,09
